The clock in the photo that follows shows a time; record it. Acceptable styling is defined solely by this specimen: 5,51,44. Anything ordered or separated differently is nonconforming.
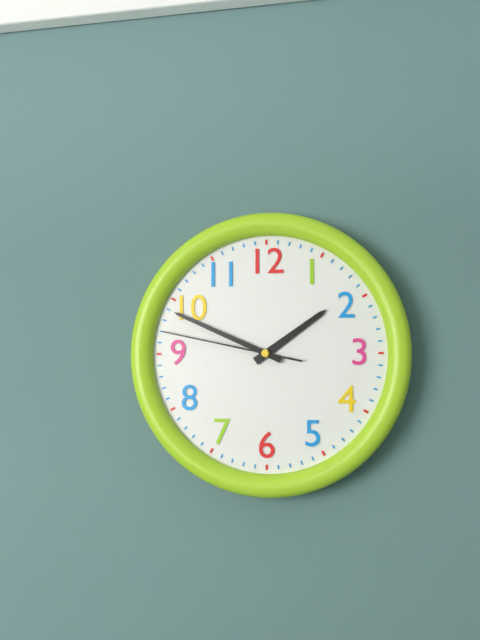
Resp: 1,49,47
